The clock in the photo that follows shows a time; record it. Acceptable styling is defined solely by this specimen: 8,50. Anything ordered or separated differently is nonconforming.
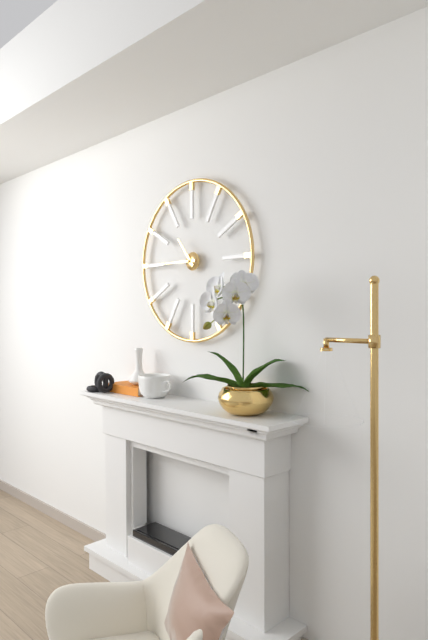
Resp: 10,45
